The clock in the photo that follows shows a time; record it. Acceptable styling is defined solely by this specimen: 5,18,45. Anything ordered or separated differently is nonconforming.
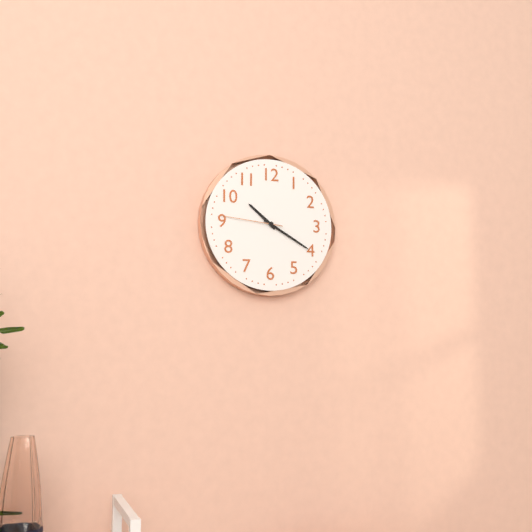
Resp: 10,20,46
